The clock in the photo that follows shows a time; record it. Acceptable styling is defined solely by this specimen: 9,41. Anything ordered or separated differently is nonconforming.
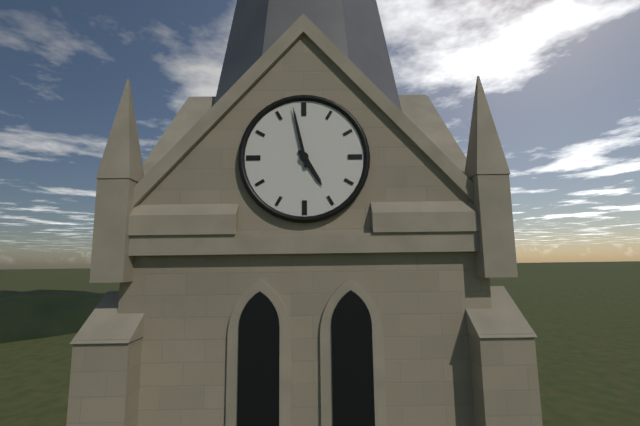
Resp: 4,58
